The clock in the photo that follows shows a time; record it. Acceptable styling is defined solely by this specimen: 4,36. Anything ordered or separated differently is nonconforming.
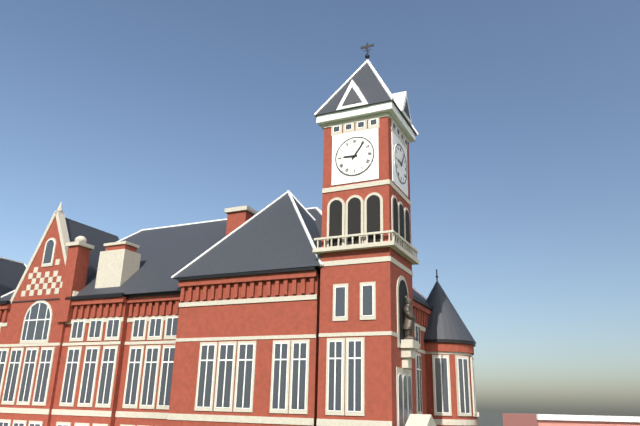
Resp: 9,06
